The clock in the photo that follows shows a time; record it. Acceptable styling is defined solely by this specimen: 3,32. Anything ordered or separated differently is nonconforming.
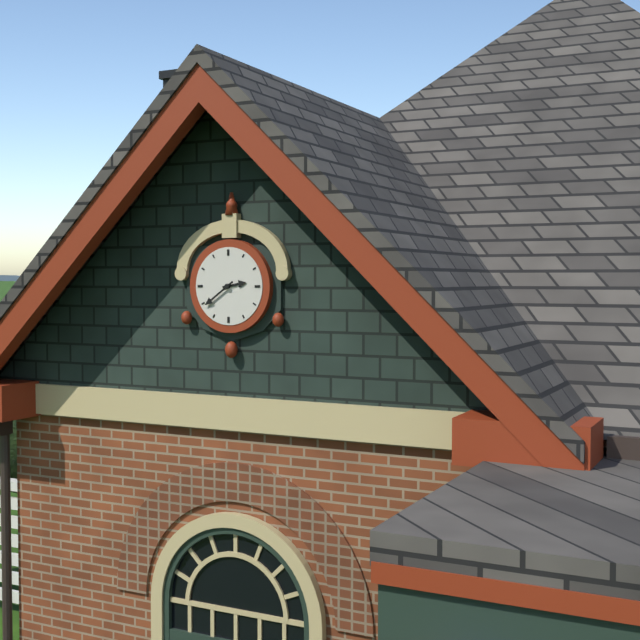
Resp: 2,39
